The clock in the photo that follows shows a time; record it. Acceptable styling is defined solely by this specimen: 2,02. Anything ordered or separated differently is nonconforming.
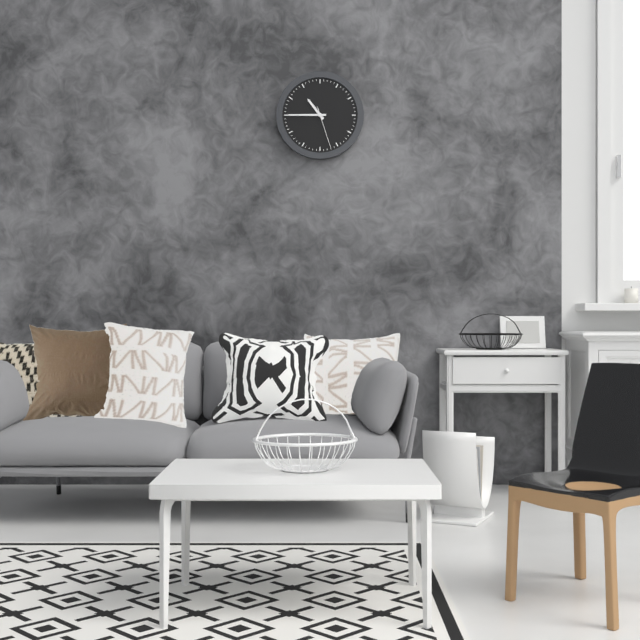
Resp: 10,45
